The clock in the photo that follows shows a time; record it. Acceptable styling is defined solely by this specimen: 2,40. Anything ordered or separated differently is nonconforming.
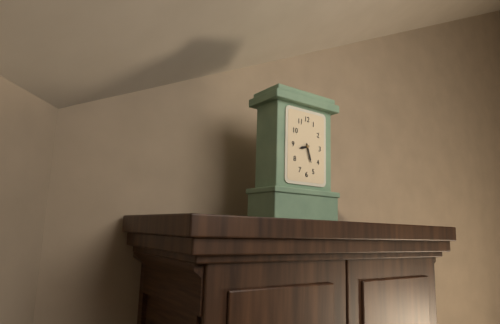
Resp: 8,27
